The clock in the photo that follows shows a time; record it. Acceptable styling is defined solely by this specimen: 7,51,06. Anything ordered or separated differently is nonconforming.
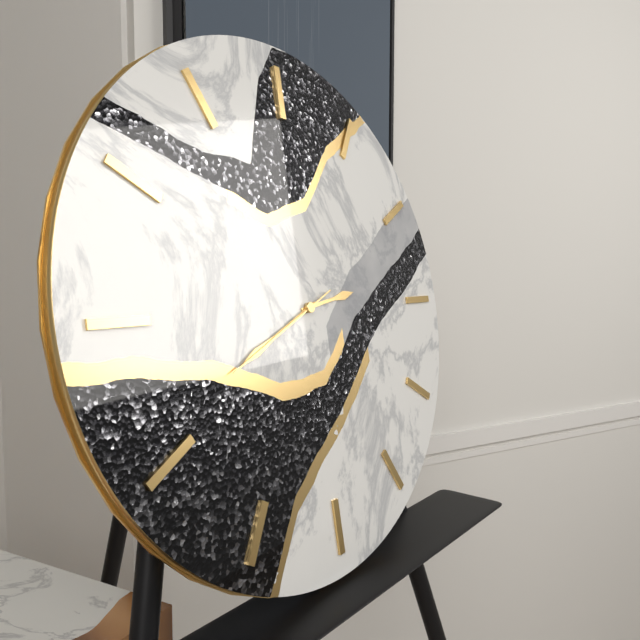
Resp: 2,41,41
